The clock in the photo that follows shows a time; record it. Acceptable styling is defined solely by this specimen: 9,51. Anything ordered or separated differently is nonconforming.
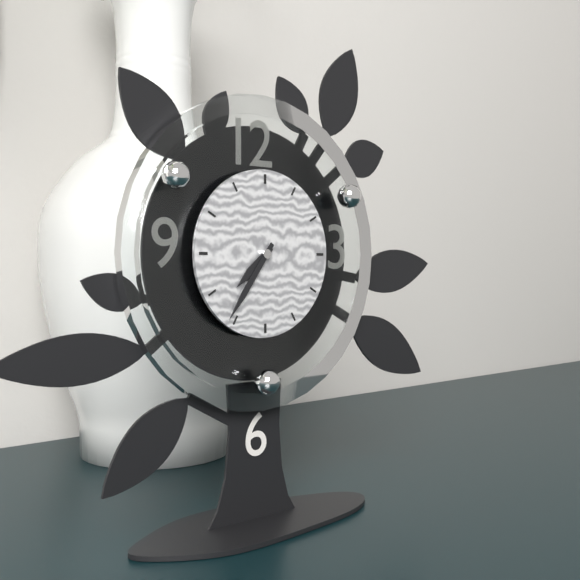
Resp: 7,36
